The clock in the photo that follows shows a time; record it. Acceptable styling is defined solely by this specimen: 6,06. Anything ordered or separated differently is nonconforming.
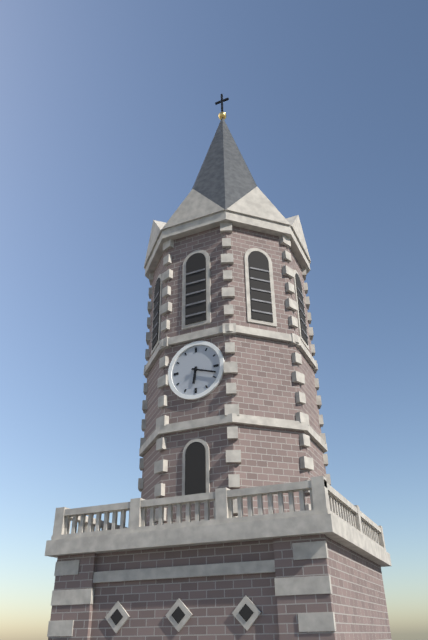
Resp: 6,18
